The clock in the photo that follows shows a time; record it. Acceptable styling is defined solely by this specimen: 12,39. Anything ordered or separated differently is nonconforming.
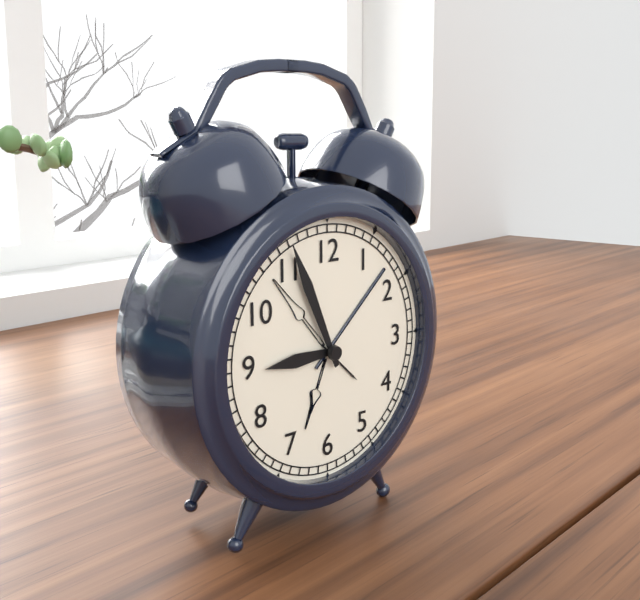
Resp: 8,56
